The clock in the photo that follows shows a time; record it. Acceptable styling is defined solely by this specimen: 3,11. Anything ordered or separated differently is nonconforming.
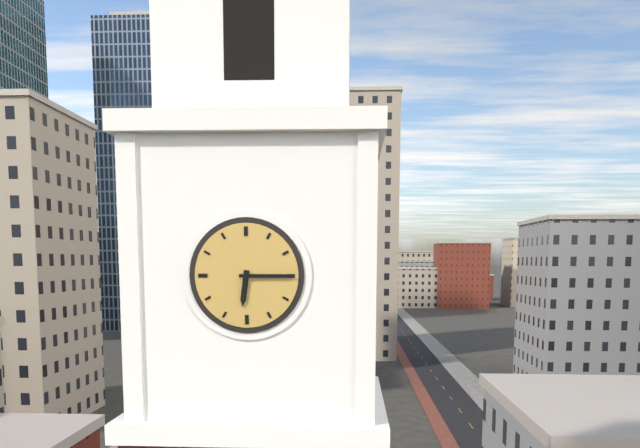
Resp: 6,15
